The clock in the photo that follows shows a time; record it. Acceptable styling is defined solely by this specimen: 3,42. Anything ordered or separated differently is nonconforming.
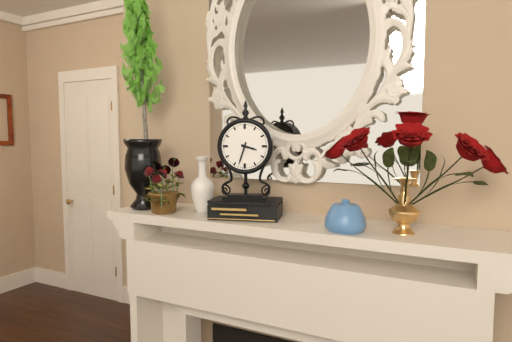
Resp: 3,33
